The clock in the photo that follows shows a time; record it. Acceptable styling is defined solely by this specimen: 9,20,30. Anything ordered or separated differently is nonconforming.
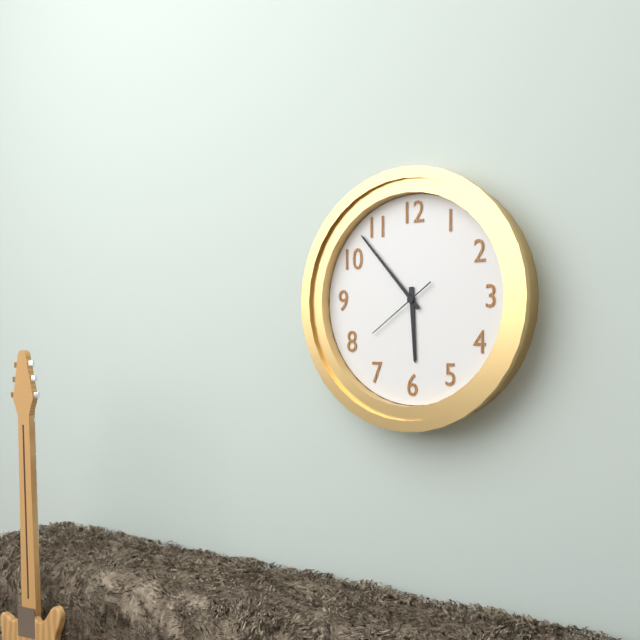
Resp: 5,53,39
